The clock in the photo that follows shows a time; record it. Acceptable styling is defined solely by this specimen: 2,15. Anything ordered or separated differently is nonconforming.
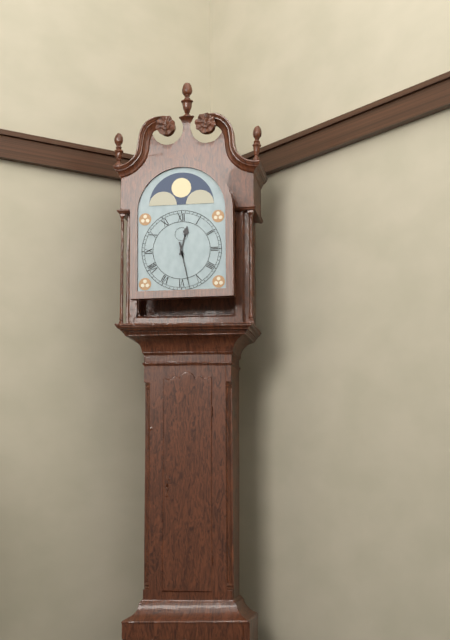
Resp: 12,28
